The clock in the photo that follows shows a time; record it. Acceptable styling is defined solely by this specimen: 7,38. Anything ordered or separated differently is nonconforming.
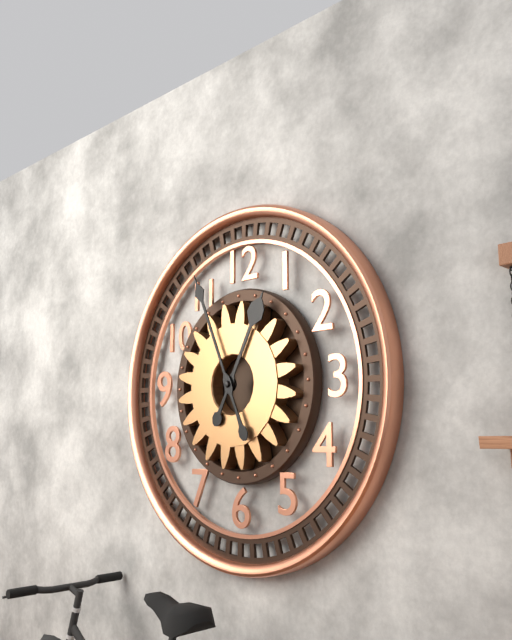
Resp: 12,56
